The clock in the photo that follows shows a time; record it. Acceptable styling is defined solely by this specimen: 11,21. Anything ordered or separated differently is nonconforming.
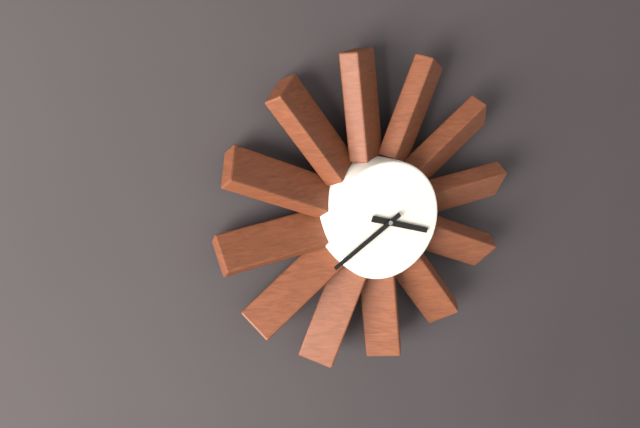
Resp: 3,40
